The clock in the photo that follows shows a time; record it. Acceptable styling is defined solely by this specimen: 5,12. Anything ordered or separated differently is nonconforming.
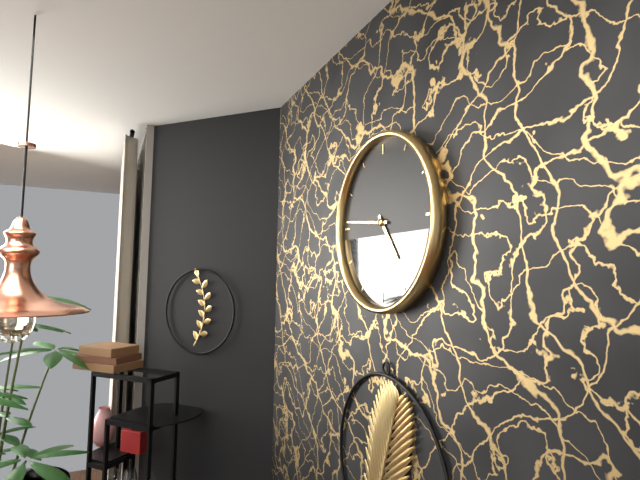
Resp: 4,46
